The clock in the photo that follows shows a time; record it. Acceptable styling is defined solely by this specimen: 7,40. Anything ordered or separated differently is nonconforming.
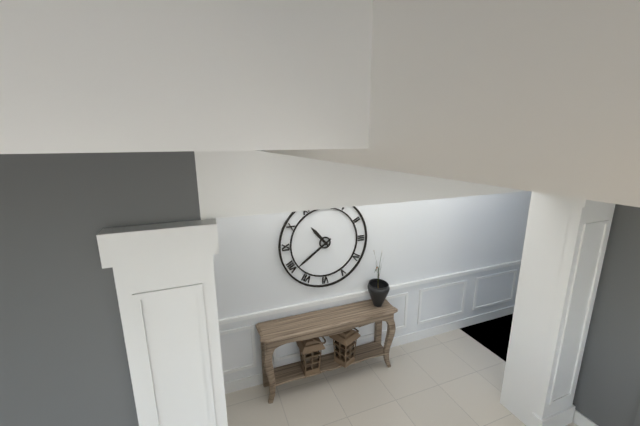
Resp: 10,39
